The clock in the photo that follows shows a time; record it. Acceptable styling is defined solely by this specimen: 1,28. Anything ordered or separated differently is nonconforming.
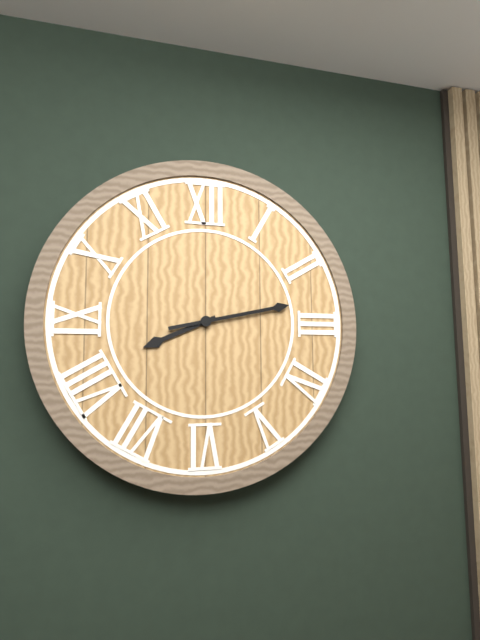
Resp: 8,13
